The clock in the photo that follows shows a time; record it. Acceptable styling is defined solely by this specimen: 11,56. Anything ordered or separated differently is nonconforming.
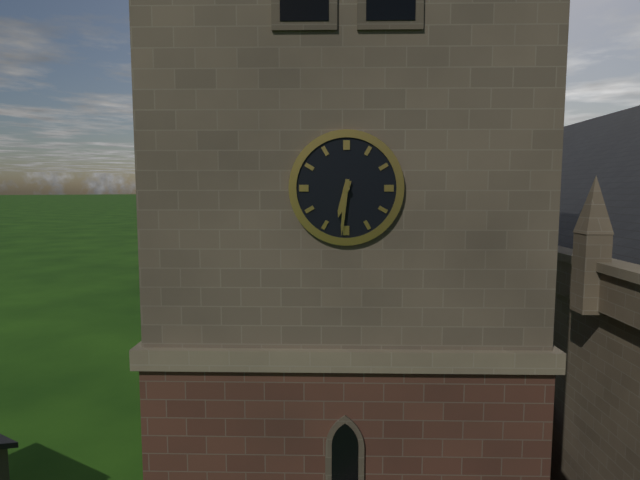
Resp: 6,31
